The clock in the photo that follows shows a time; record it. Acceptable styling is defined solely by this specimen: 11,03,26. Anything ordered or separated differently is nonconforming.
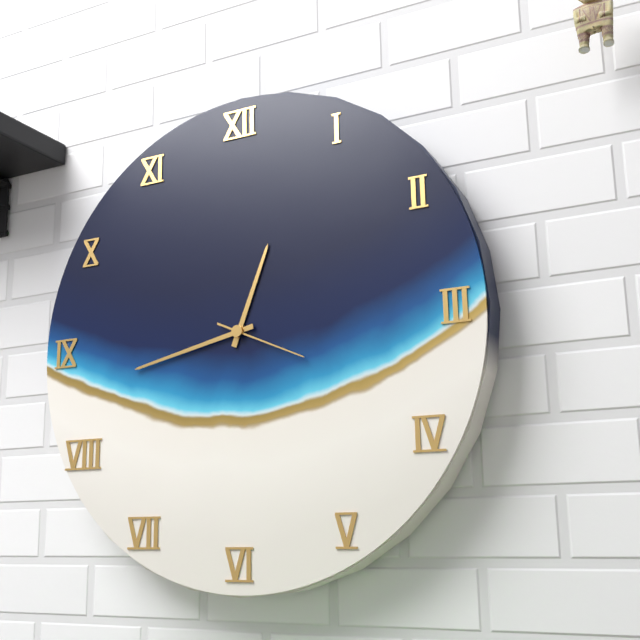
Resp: 12,43,19
